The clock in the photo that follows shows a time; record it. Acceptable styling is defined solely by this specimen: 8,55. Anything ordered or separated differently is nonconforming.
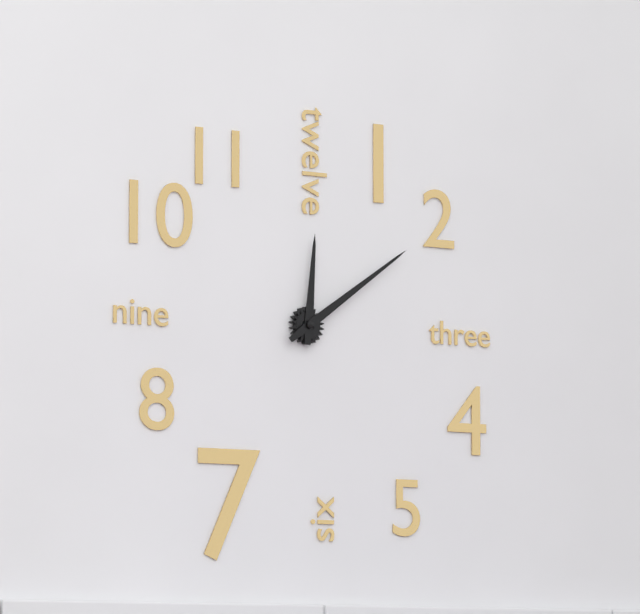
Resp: 12,09
